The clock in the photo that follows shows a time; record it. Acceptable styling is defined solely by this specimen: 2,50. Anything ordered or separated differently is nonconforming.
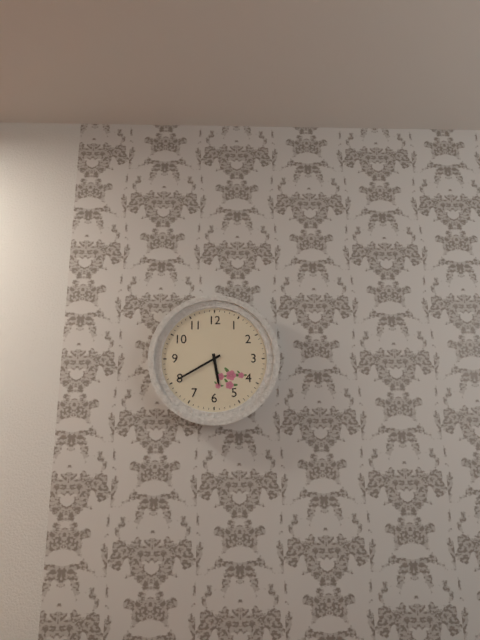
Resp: 5,40
